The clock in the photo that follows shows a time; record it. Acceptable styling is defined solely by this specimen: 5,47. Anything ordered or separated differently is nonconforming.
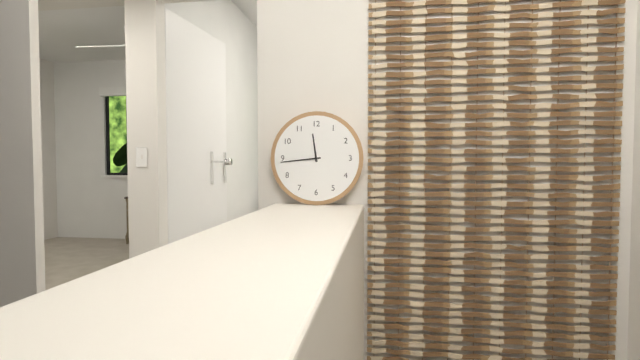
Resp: 11,44
